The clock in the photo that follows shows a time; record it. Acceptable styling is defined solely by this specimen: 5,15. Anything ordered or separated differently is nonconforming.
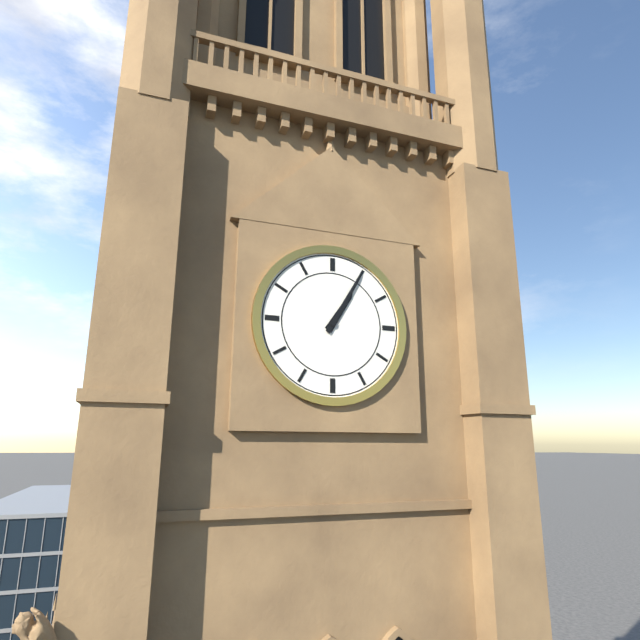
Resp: 1,05
